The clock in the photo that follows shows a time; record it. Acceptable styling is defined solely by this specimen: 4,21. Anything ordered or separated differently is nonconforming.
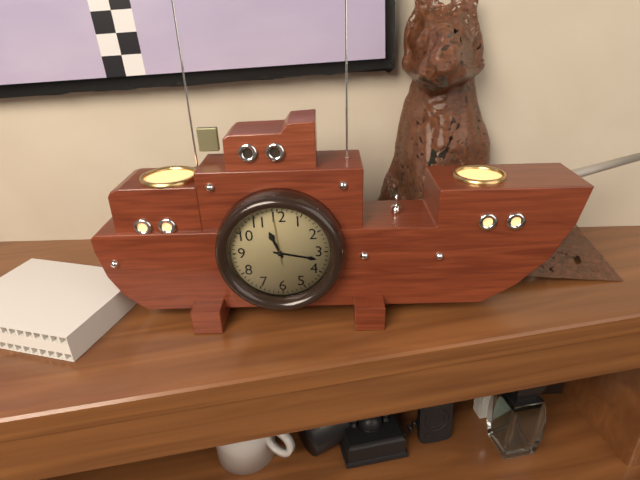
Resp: 11,17
